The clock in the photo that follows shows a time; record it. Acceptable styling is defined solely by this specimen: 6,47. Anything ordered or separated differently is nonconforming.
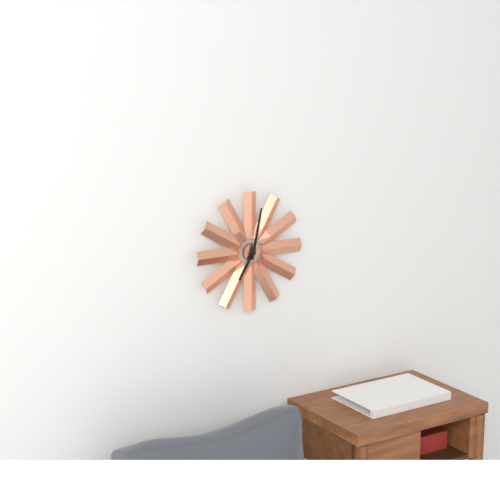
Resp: 7,02
